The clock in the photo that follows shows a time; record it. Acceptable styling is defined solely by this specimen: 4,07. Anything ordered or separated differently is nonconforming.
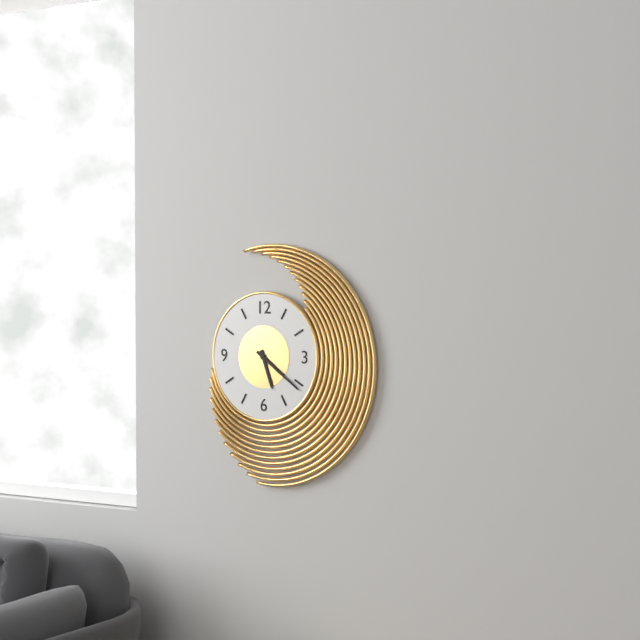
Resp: 5,21
